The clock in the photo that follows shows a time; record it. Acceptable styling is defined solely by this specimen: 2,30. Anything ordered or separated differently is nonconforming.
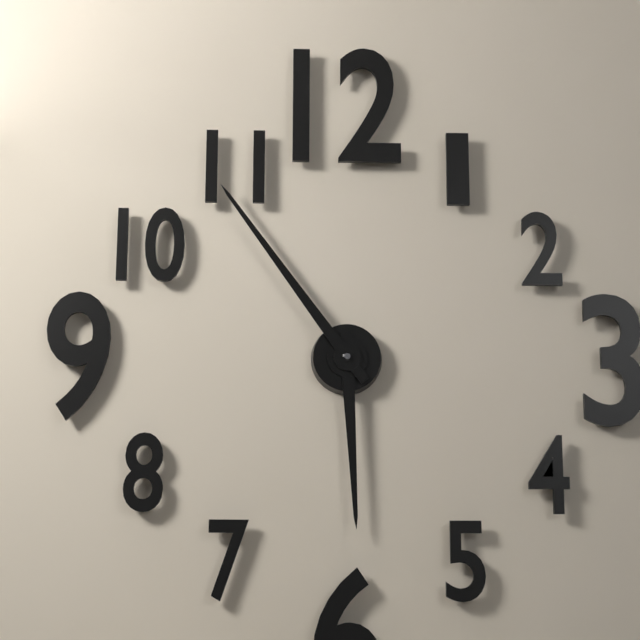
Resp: 5,54
